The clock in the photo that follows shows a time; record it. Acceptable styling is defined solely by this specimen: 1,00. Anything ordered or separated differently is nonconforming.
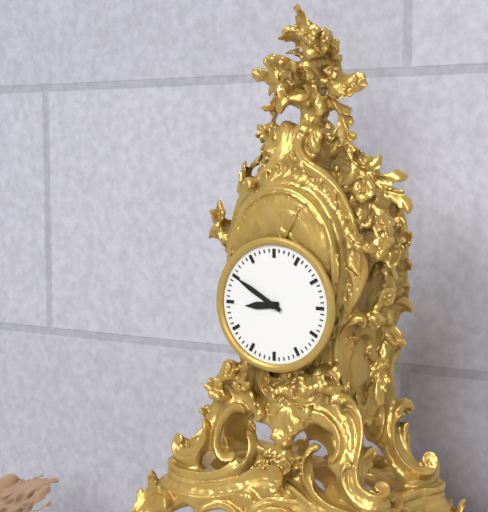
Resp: 8,50
